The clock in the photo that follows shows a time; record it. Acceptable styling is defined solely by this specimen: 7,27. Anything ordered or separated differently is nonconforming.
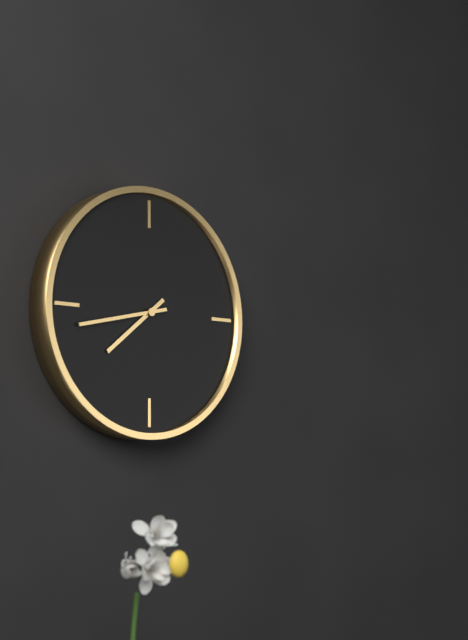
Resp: 7,43
